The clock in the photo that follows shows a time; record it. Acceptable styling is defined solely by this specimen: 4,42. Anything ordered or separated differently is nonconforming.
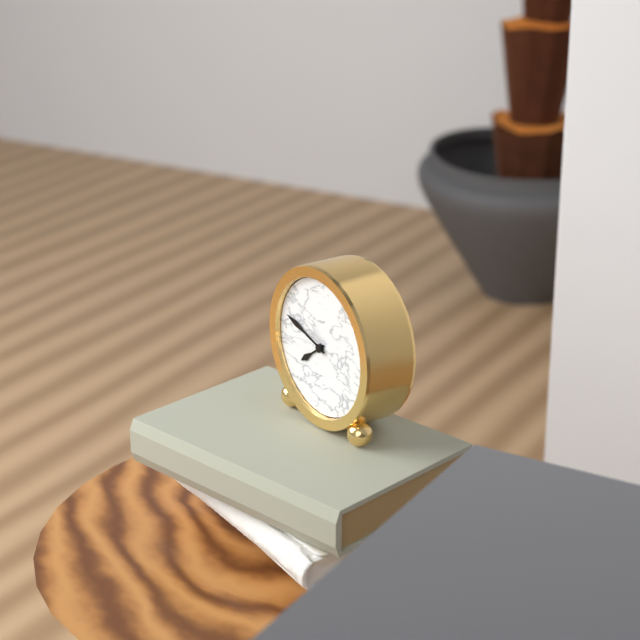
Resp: 7,48
